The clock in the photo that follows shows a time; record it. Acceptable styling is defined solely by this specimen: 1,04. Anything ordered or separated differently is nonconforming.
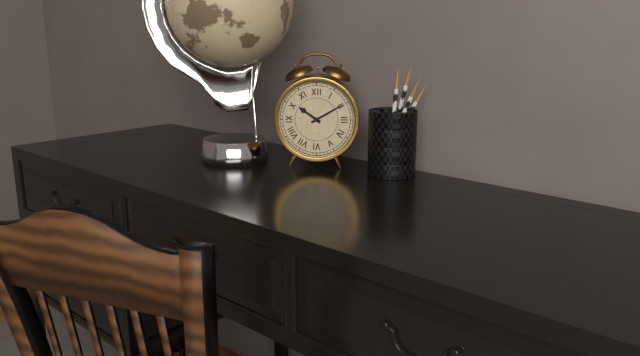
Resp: 10,10
